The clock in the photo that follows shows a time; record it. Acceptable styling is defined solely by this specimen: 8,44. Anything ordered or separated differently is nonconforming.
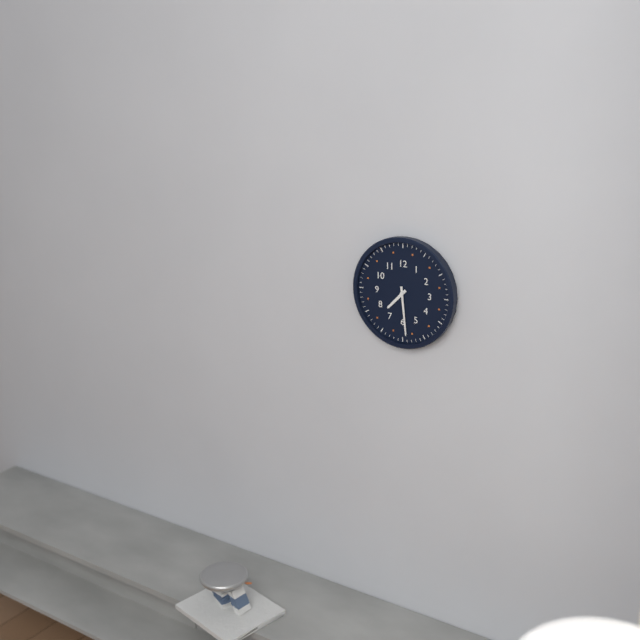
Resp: 7,29
